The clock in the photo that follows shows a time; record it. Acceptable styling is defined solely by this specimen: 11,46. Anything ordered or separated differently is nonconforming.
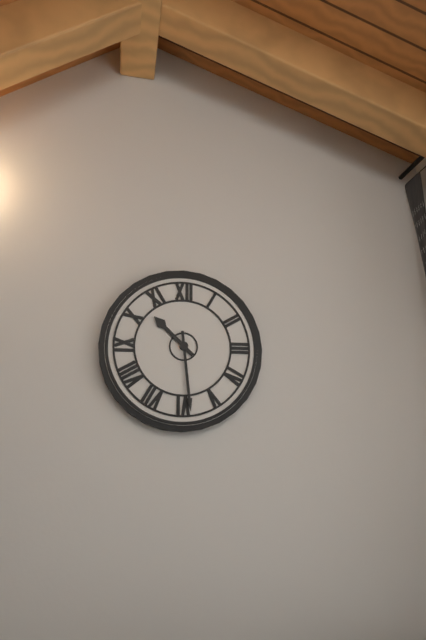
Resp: 10,29
